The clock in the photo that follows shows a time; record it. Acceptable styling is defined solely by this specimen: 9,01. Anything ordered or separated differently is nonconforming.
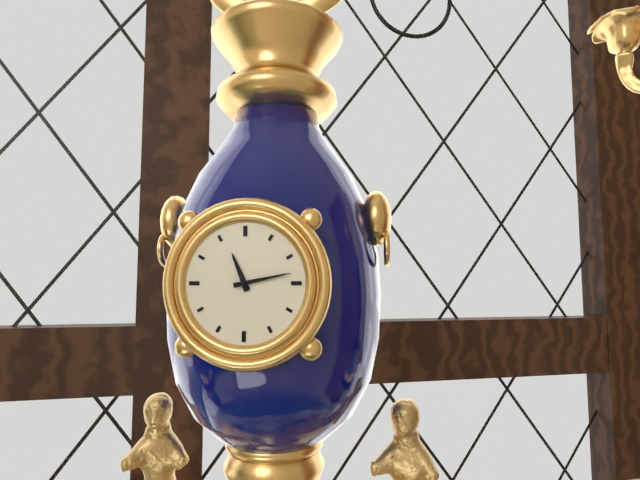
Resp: 11,13
